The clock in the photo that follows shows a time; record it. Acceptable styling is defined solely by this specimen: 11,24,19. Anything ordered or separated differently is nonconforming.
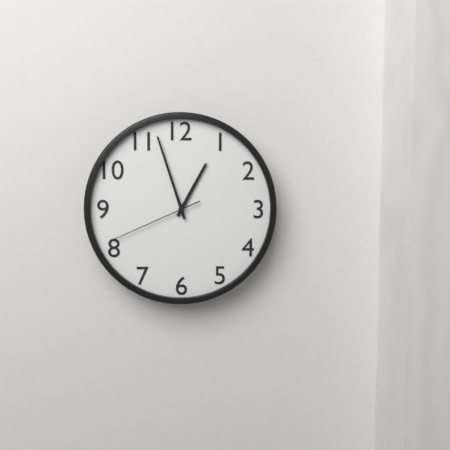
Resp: 12,57,41
